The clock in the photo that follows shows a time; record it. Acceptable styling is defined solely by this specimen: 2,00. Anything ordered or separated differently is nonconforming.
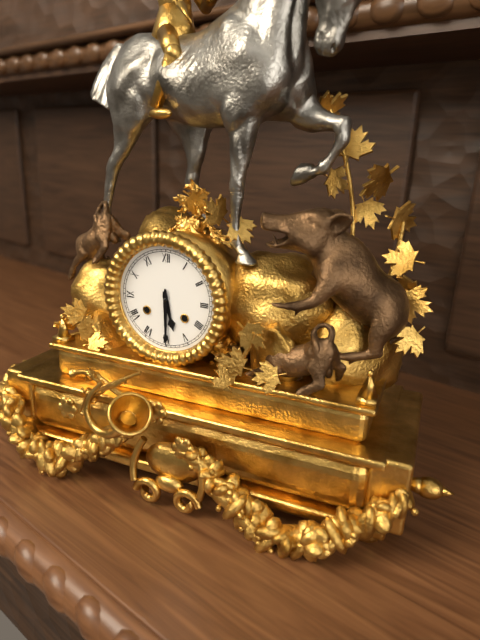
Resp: 5,30
